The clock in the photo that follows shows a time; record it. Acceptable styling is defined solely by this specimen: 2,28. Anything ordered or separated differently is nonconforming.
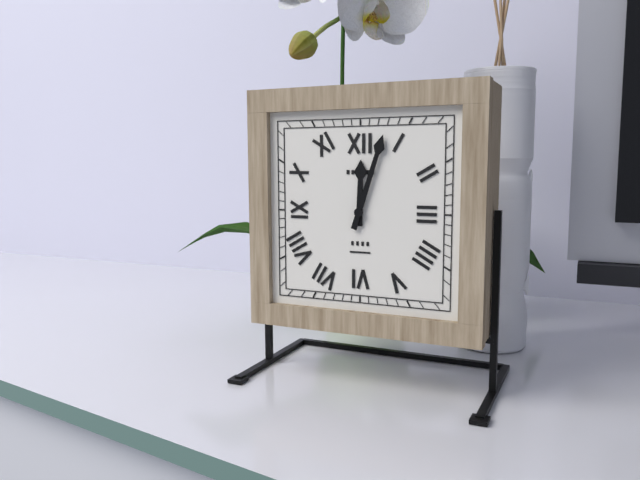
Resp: 12,03
